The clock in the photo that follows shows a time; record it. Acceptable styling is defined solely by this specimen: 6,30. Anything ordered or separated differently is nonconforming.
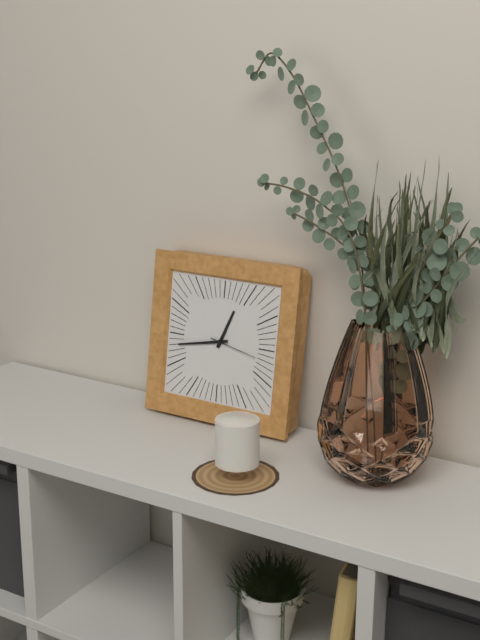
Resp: 12,43
